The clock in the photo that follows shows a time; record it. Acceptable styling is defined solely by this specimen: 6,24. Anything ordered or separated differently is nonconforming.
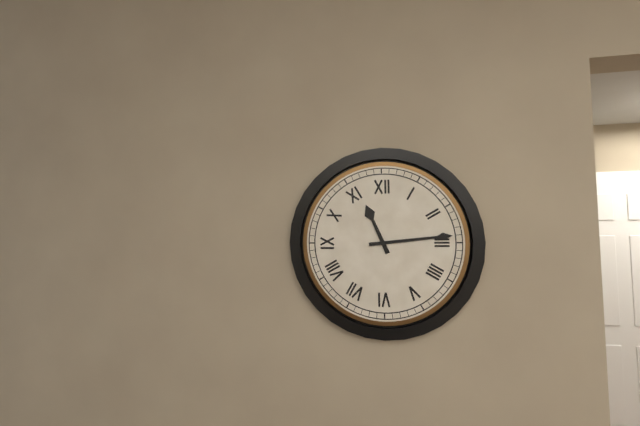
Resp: 11,14
